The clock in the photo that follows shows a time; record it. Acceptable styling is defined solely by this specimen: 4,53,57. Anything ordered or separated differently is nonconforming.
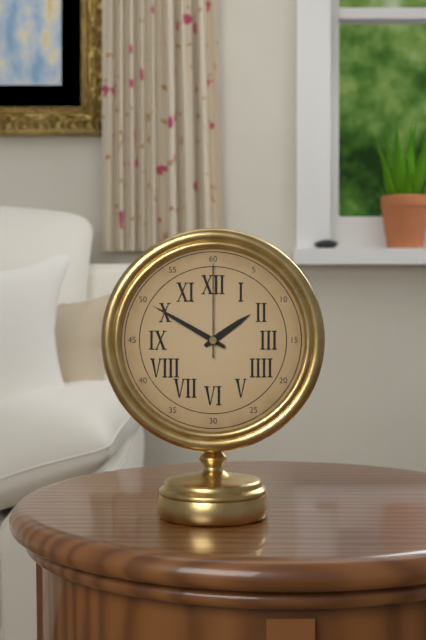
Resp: 1,50,00
